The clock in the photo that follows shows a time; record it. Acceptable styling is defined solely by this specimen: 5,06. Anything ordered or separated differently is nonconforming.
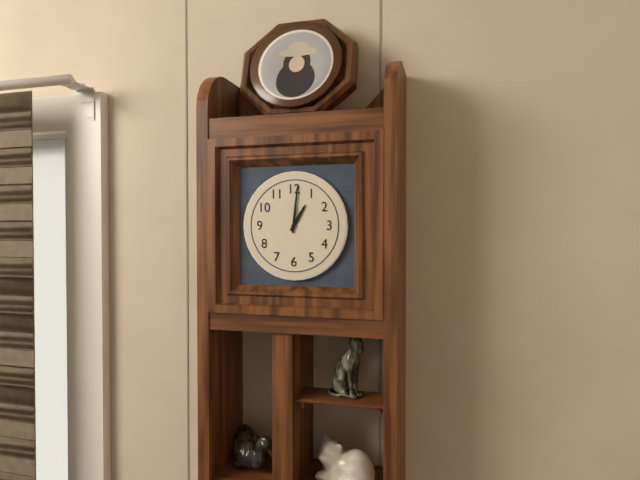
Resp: 1,01
